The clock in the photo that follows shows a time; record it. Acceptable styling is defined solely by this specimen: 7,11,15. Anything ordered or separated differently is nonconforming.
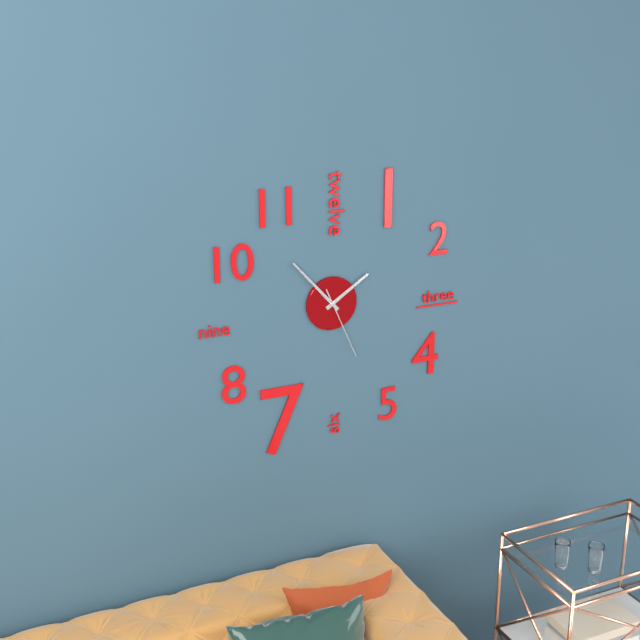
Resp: 1,53,26
